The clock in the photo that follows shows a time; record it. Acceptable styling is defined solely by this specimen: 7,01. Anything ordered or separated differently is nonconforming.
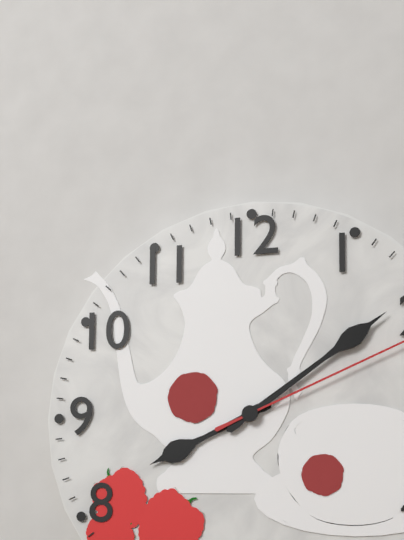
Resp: 8,09
